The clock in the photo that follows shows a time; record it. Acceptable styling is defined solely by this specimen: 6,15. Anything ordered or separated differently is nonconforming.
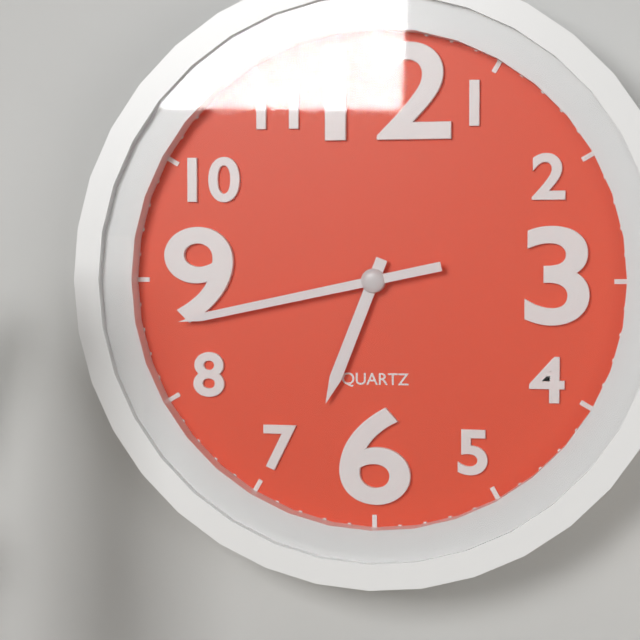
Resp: 6,43
